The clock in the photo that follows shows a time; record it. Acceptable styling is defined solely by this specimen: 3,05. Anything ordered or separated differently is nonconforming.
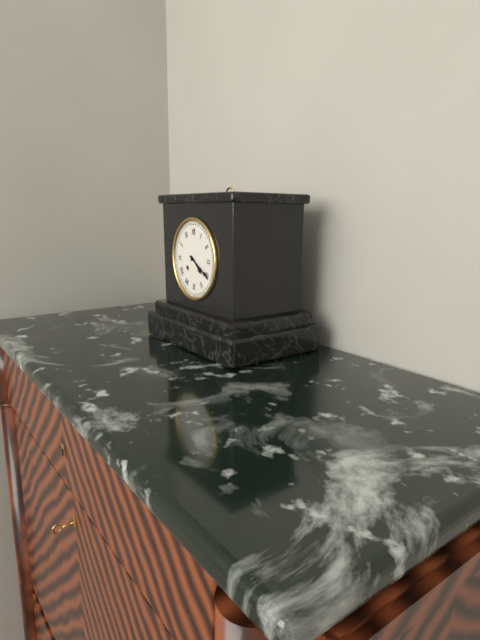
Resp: 4,20
